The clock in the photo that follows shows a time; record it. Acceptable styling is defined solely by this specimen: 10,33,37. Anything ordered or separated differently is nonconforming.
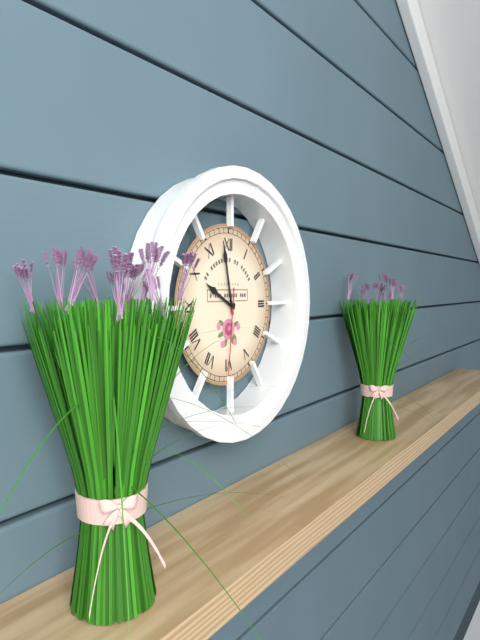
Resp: 9,58,31
